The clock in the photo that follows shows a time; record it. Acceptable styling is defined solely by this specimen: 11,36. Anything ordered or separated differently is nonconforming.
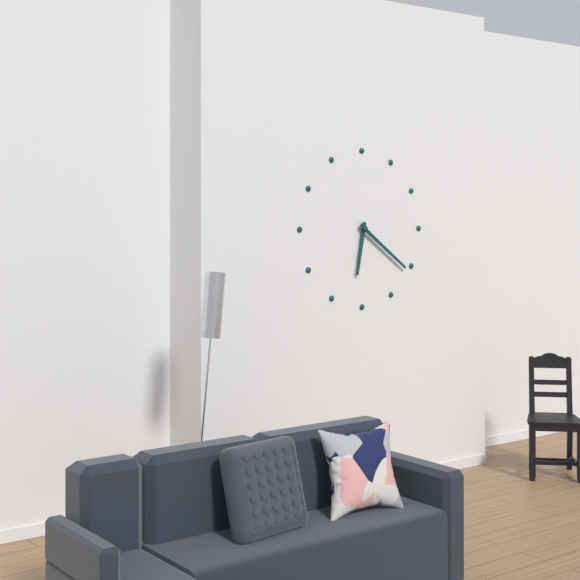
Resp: 6,21
